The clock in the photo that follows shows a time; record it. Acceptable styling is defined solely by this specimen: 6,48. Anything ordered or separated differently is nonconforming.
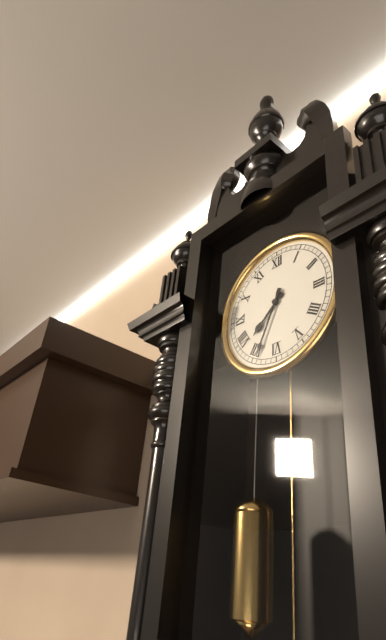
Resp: 7,34
